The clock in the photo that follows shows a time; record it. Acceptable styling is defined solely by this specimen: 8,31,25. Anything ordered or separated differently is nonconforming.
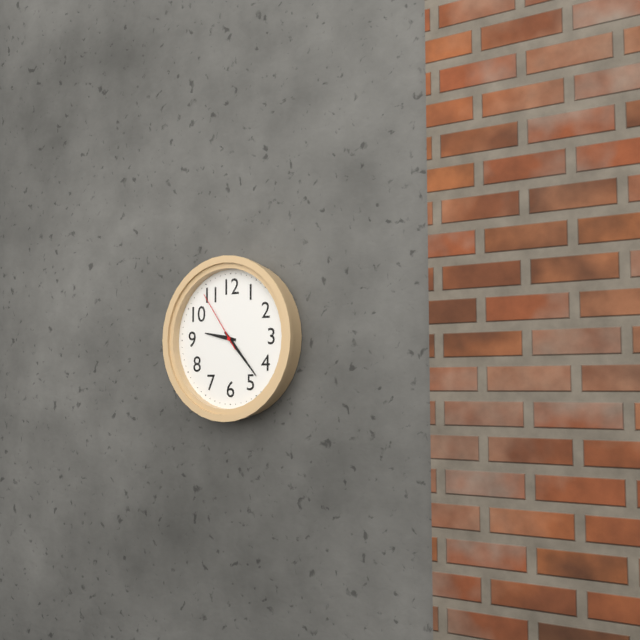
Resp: 9,23,54
